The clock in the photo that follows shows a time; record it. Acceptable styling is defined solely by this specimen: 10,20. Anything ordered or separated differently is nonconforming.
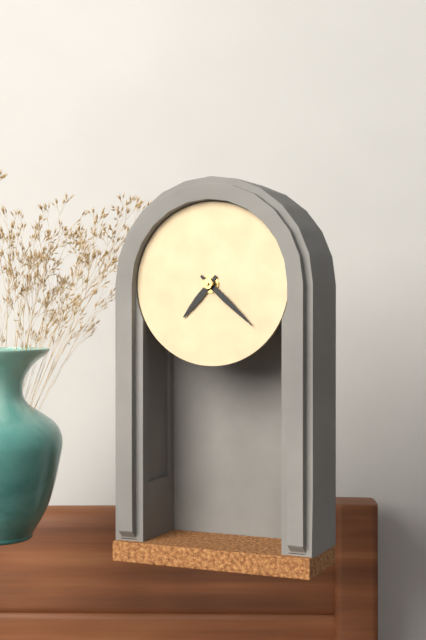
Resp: 7,22
